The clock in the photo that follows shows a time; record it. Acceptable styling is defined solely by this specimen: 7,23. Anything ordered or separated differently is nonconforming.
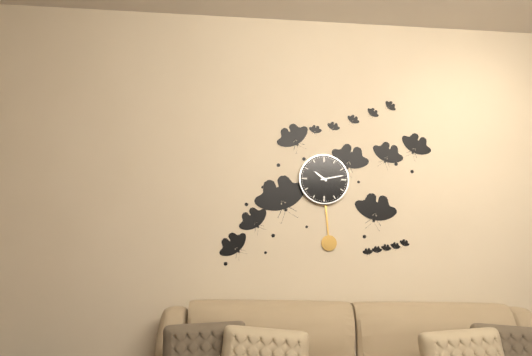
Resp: 10,13
